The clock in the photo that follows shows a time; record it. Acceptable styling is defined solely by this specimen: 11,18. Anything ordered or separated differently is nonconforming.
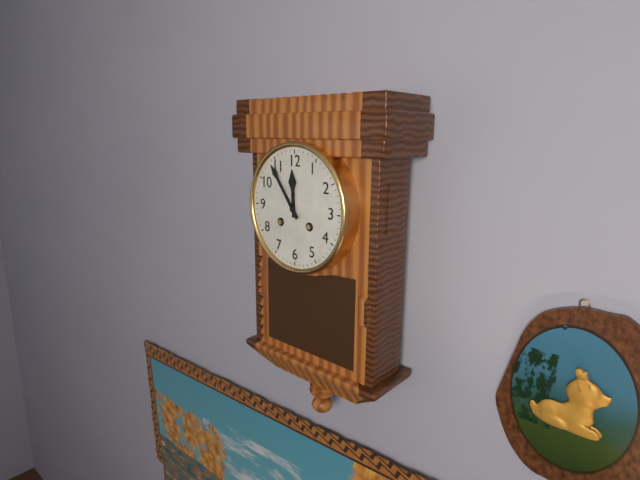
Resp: 11,54
